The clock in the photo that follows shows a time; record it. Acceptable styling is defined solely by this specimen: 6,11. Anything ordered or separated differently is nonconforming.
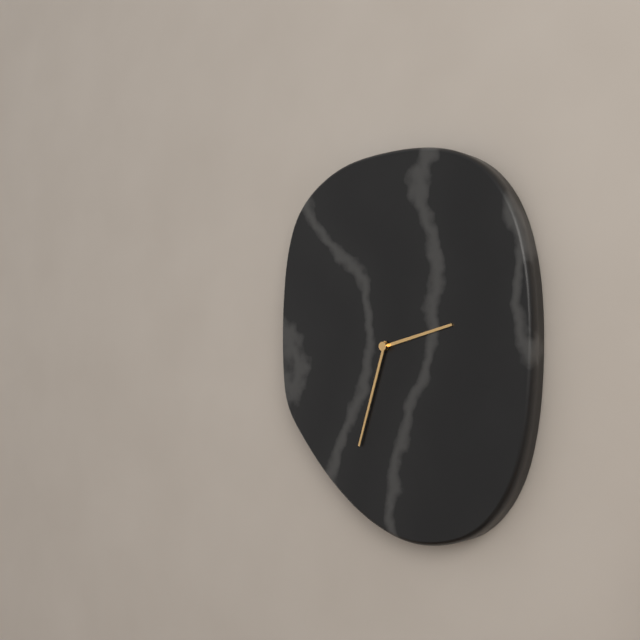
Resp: 2,33
